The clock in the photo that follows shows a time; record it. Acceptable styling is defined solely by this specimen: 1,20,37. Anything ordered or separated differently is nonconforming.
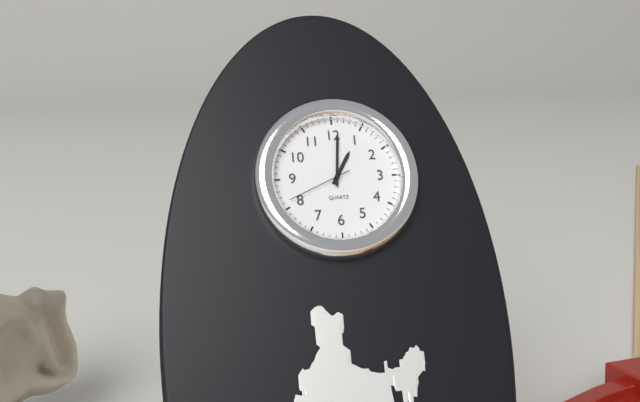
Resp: 1,01,41
